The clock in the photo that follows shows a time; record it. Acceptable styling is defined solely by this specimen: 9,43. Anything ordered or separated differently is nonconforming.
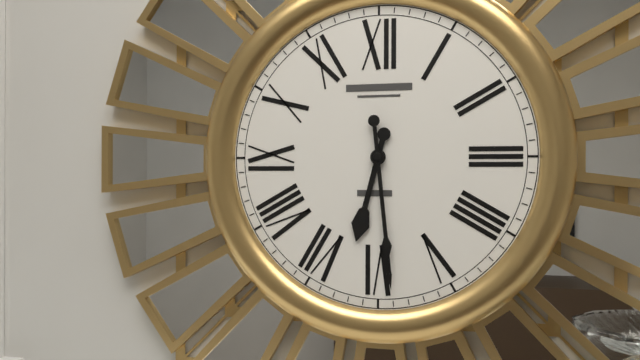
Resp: 6,29
